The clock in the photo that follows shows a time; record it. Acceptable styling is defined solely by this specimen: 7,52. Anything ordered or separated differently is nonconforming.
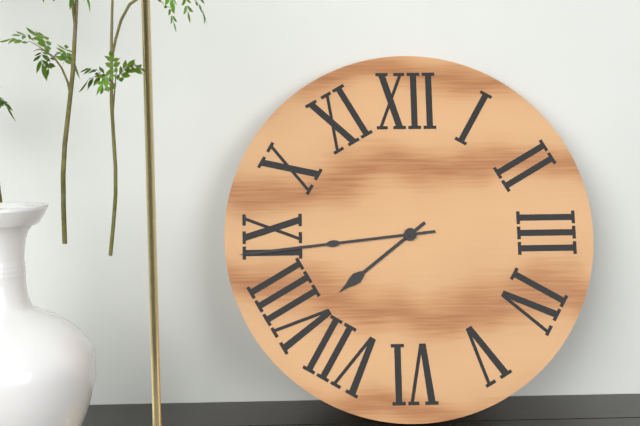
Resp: 7,44
